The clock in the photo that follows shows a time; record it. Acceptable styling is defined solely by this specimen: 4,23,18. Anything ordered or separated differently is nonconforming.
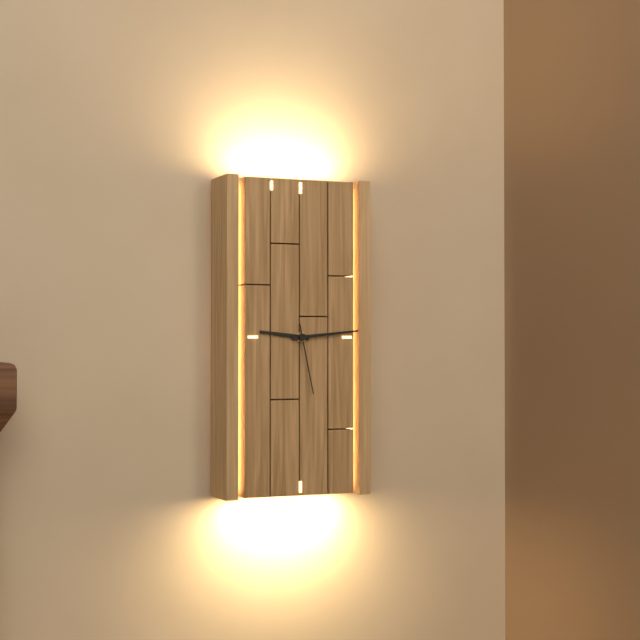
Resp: 9,14,28
